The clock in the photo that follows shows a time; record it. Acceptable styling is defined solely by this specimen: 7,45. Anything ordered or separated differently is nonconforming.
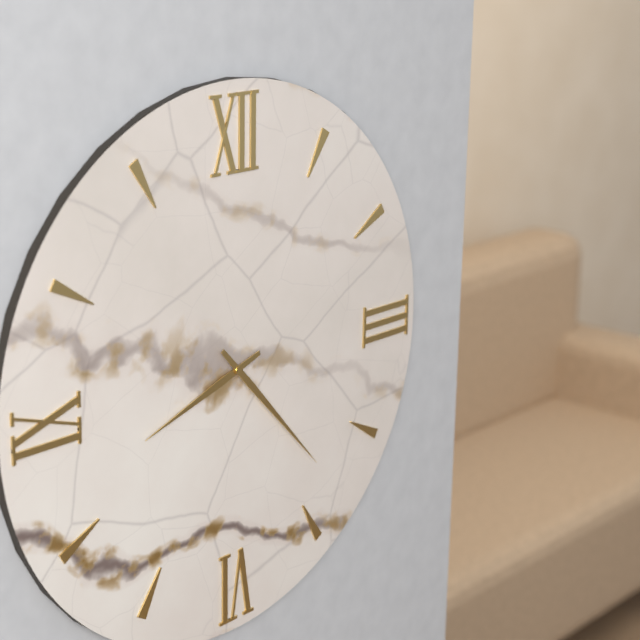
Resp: 8,23
